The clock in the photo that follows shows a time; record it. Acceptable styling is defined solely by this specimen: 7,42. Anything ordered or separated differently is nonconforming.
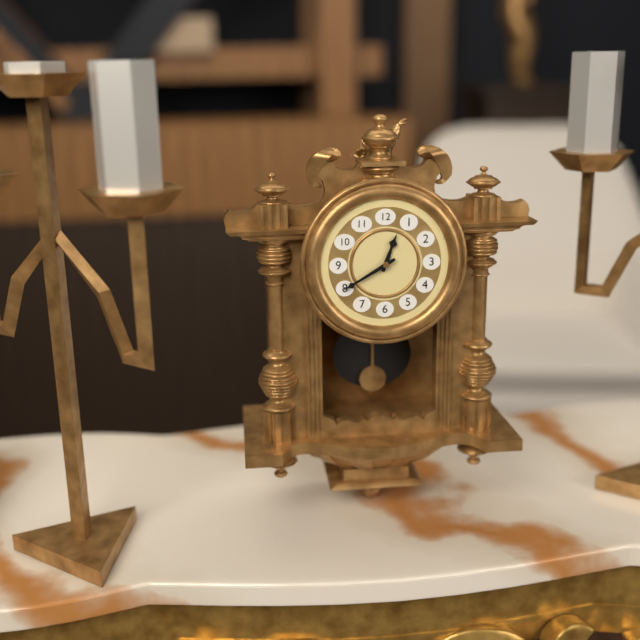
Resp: 12,40
